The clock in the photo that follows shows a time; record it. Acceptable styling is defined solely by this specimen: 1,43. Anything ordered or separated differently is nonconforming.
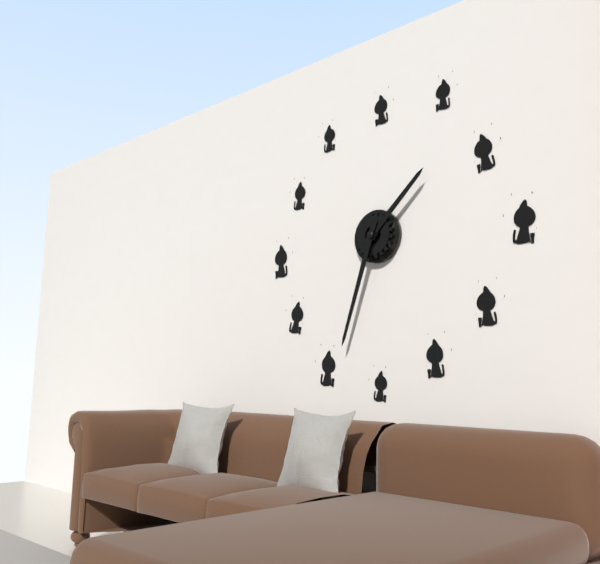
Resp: 1,33
